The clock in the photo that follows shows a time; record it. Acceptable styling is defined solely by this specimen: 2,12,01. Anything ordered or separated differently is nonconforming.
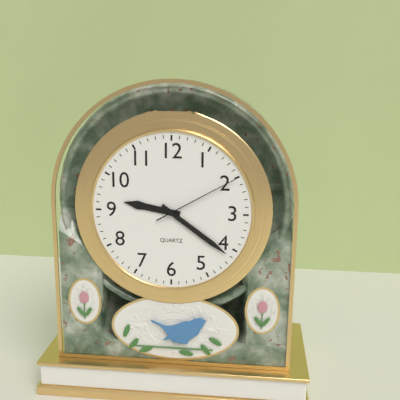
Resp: 9,21,10
